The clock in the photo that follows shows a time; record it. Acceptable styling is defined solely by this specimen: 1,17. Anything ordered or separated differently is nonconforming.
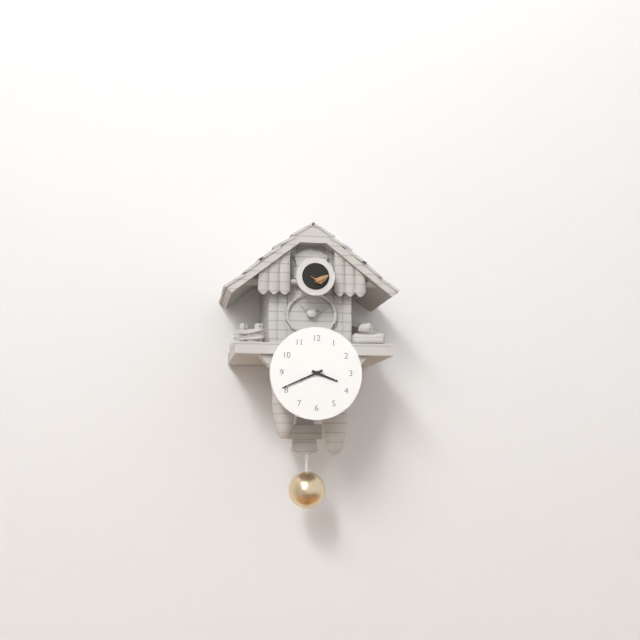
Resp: 3,41
